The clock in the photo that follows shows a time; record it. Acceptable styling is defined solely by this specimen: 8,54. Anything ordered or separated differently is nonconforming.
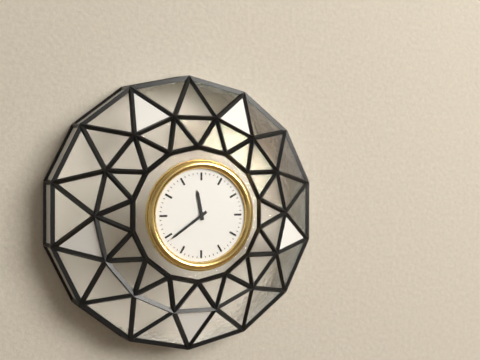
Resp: 11,39
